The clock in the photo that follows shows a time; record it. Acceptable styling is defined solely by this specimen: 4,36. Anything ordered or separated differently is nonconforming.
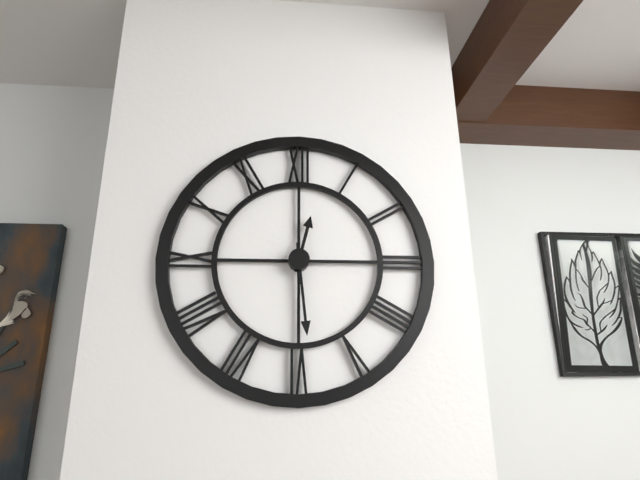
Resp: 12,29
